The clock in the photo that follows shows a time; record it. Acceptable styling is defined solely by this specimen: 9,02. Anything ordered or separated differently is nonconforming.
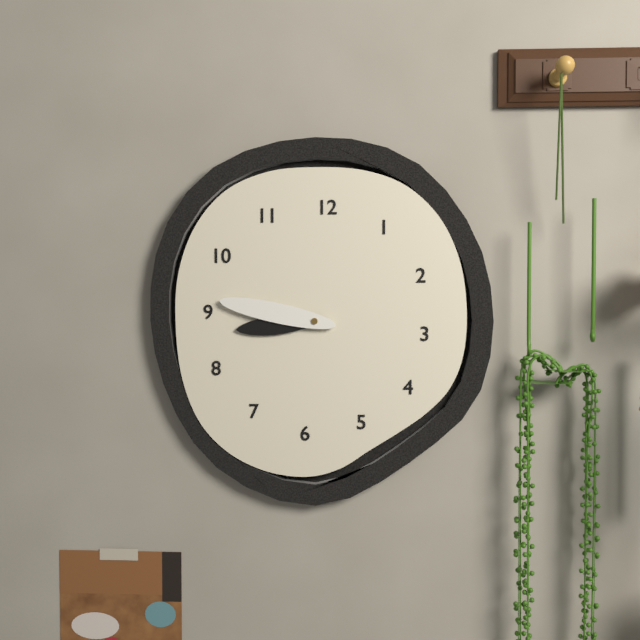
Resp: 8,47
